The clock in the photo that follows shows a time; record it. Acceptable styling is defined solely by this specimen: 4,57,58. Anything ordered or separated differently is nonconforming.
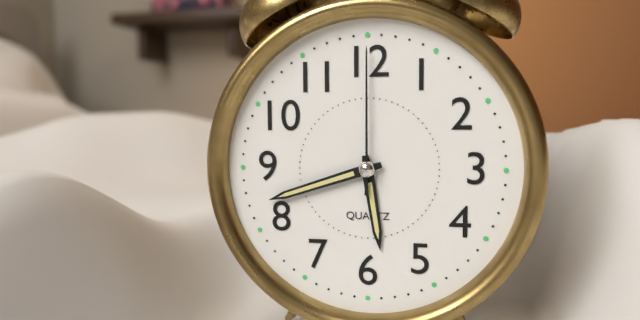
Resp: 5,42,00
